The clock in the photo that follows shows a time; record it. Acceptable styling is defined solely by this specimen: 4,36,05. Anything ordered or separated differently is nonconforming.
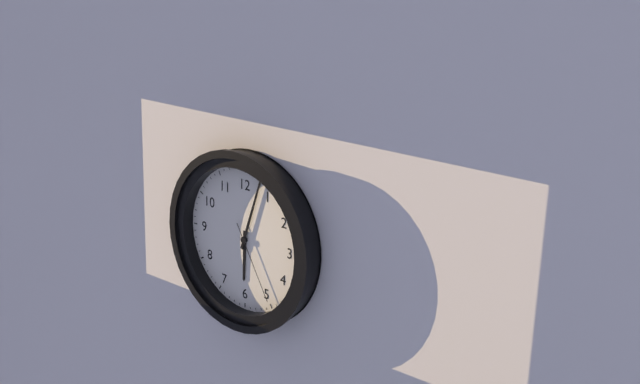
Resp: 6,03,25
